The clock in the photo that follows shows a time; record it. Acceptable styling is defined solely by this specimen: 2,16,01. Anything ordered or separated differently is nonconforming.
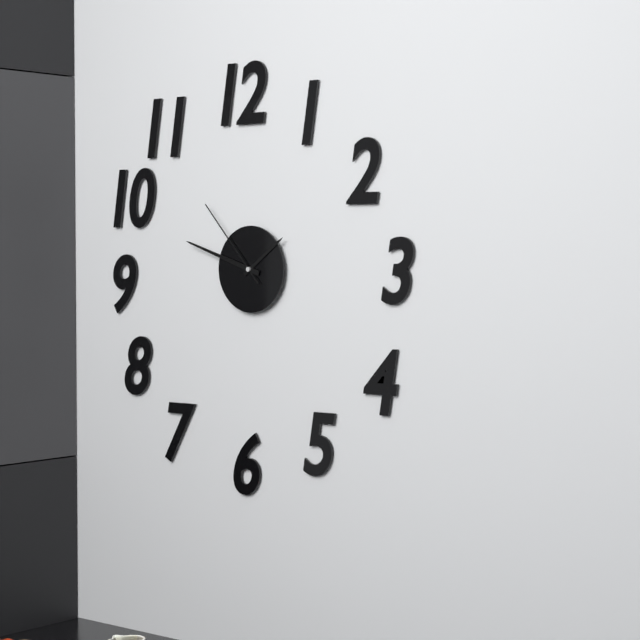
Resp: 1,48,53
